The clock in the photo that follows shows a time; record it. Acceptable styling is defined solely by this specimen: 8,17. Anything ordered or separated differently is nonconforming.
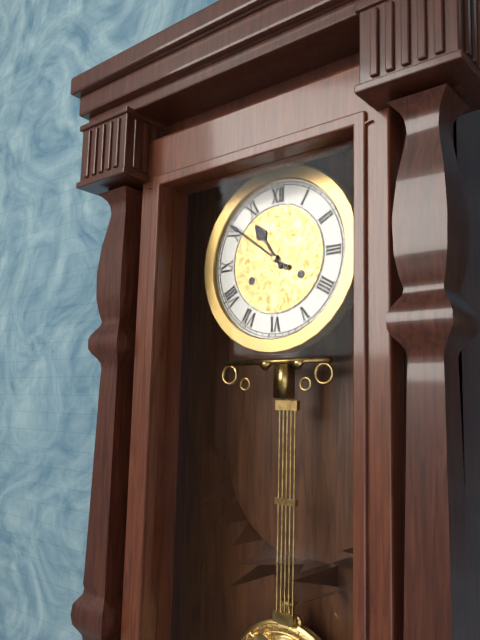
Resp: 10,51
